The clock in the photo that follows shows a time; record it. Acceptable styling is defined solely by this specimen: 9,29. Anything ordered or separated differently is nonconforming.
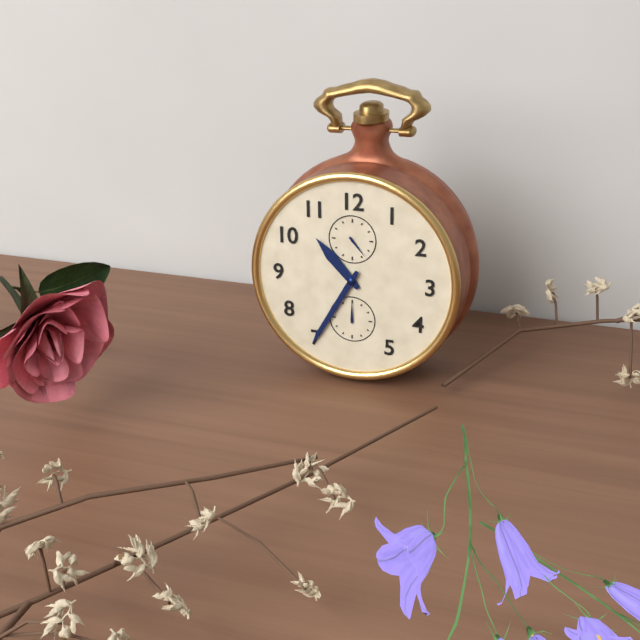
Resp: 10,35
